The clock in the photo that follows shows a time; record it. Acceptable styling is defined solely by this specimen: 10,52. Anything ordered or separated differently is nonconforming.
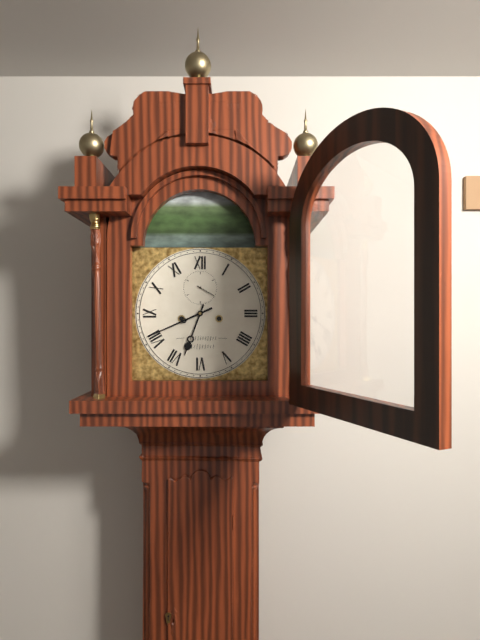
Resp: 6,41
